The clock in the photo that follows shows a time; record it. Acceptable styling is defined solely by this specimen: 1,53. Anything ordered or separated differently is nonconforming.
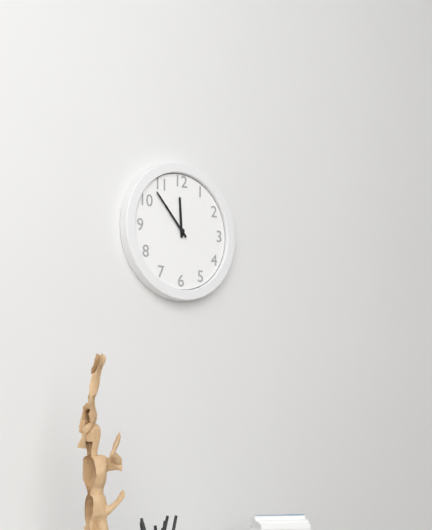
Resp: 11,53
